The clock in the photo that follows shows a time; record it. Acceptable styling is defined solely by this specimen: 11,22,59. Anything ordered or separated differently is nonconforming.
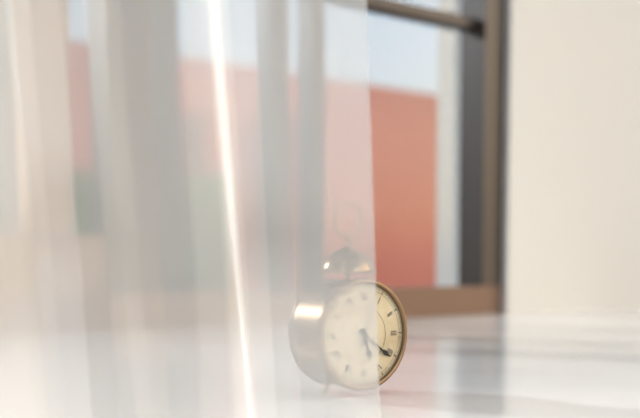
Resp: 5,21,03
